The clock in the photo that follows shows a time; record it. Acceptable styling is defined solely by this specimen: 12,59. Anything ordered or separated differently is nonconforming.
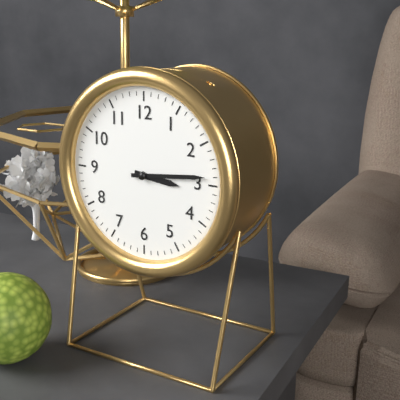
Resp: 3,14
